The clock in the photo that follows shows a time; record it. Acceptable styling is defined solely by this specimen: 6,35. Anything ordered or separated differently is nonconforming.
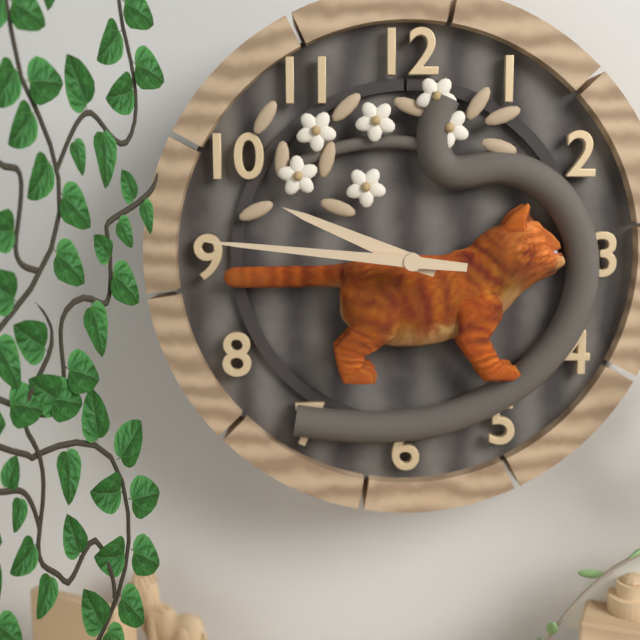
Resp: 9,46
